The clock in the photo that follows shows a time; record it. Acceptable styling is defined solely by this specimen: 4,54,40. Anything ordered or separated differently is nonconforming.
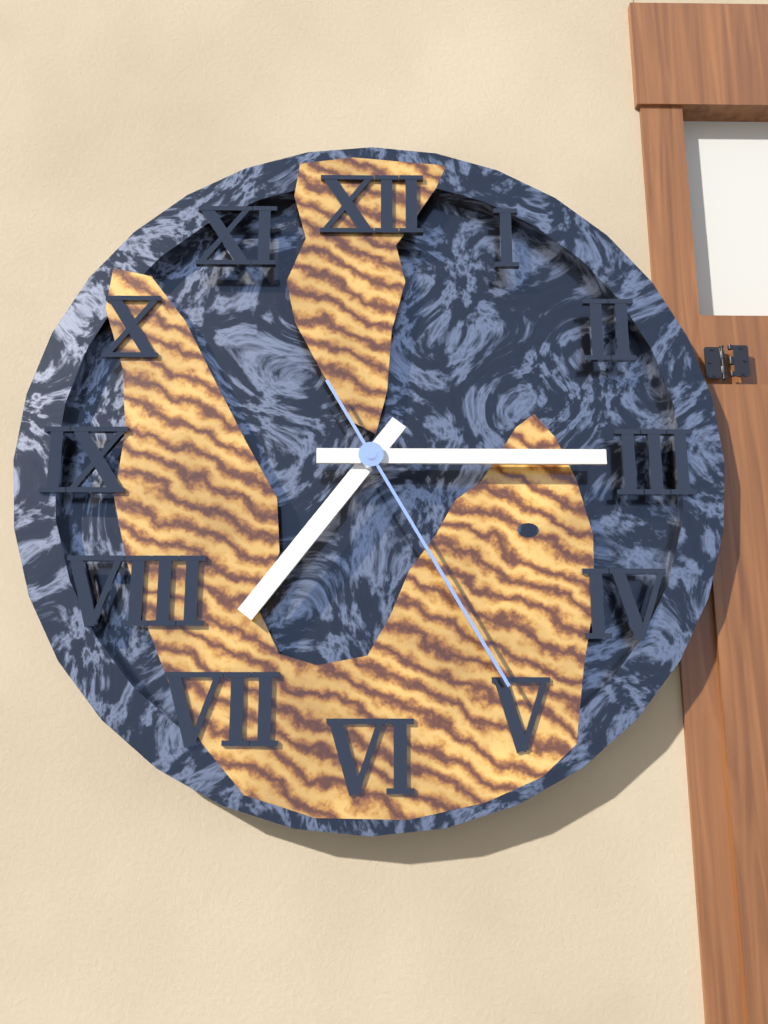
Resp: 7,15,25
